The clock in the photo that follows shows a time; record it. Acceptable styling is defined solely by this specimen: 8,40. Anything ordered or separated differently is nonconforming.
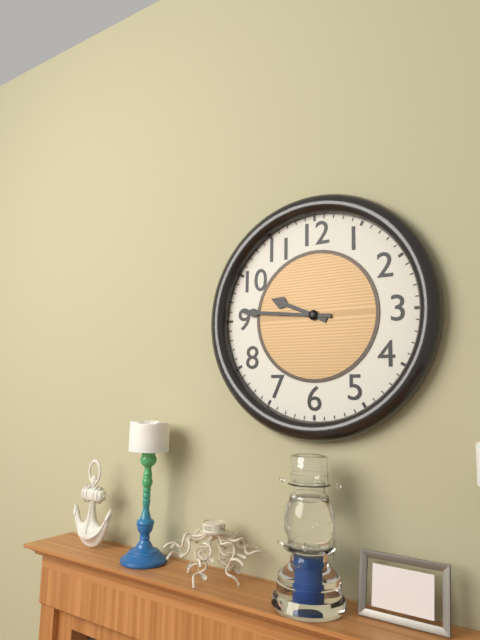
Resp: 9,46
